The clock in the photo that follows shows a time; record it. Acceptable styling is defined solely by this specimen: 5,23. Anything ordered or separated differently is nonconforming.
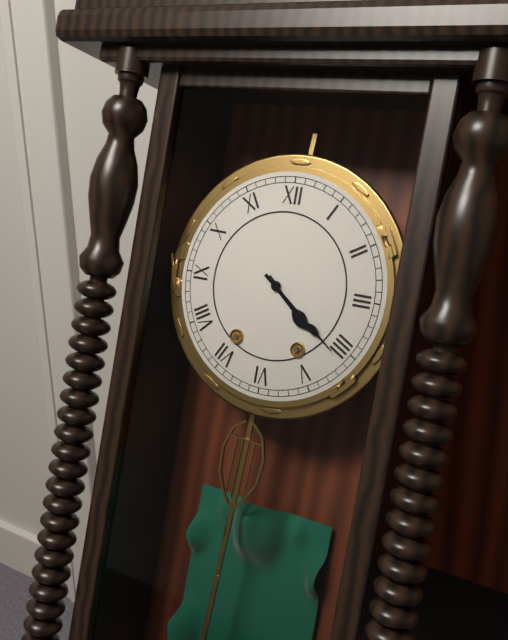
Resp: 4,21
